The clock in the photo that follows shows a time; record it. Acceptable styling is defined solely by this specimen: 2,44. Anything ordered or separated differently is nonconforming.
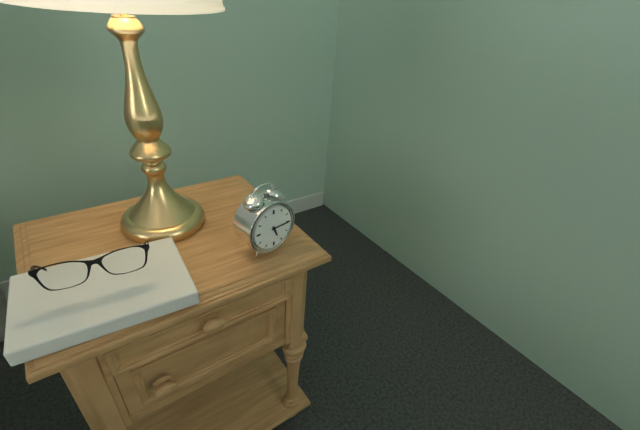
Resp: 5,15
